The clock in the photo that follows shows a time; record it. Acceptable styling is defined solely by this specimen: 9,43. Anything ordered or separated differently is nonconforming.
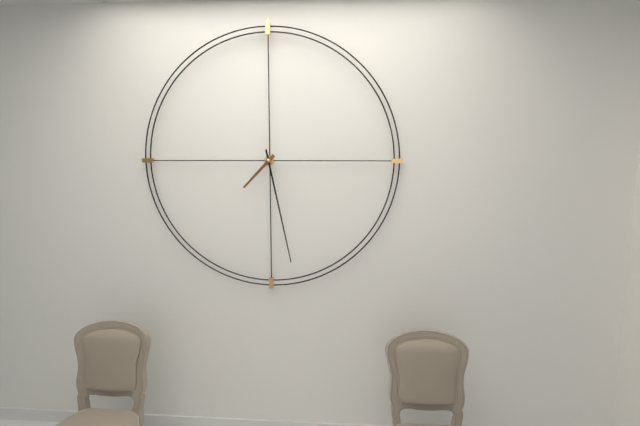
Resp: 7,28
